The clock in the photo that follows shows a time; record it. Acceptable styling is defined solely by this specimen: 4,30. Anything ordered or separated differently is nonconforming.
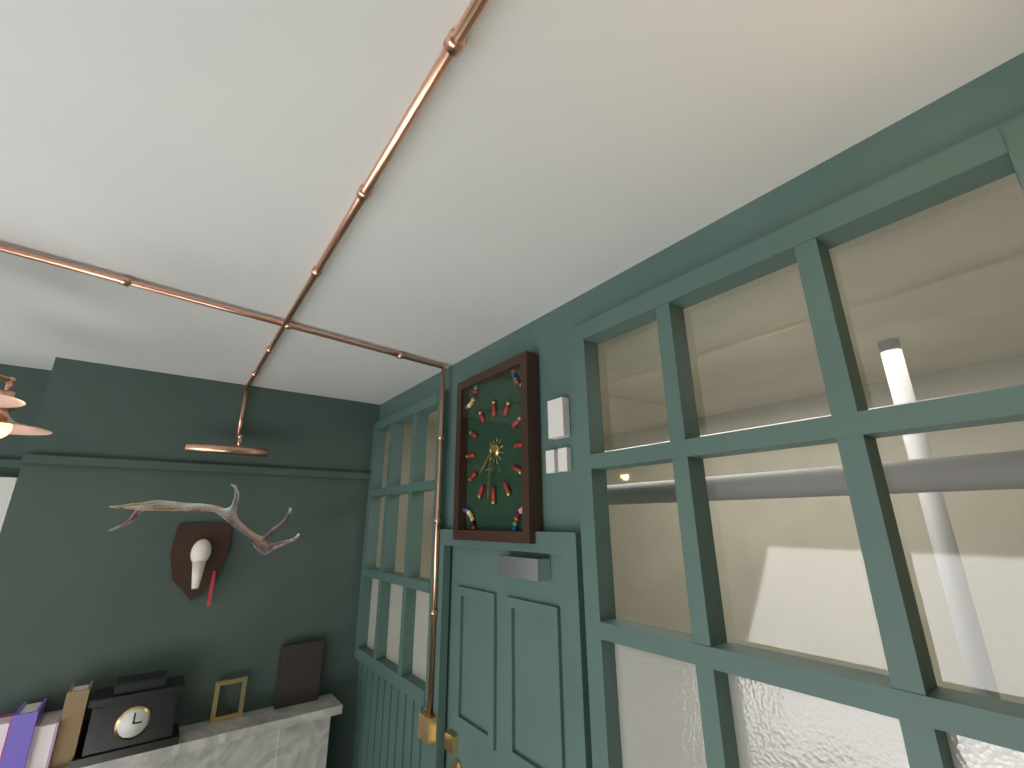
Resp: 7,31
